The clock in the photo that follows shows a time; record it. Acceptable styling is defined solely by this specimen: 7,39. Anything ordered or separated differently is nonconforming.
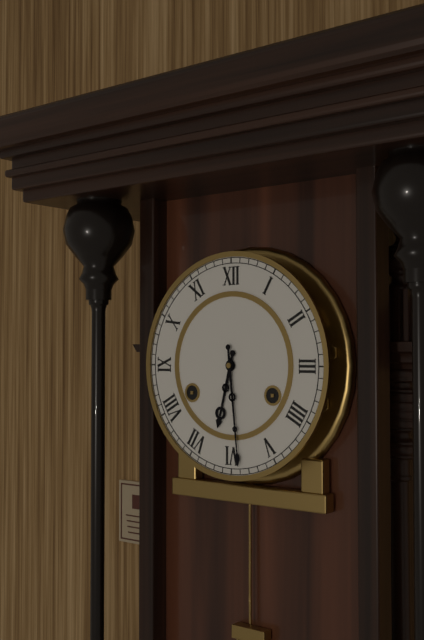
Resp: 6,29
